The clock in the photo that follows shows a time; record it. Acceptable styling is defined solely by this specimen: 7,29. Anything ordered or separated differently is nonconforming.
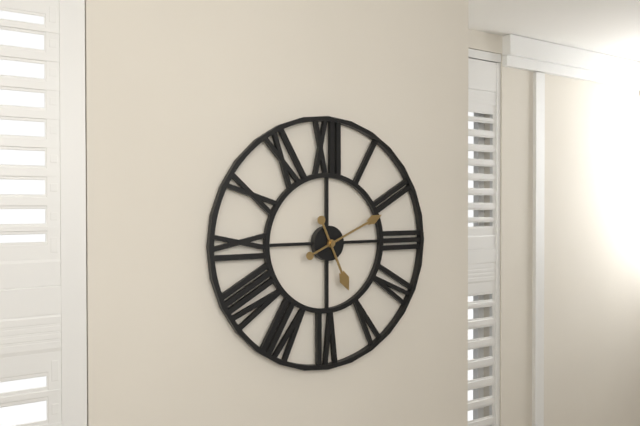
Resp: 5,11
